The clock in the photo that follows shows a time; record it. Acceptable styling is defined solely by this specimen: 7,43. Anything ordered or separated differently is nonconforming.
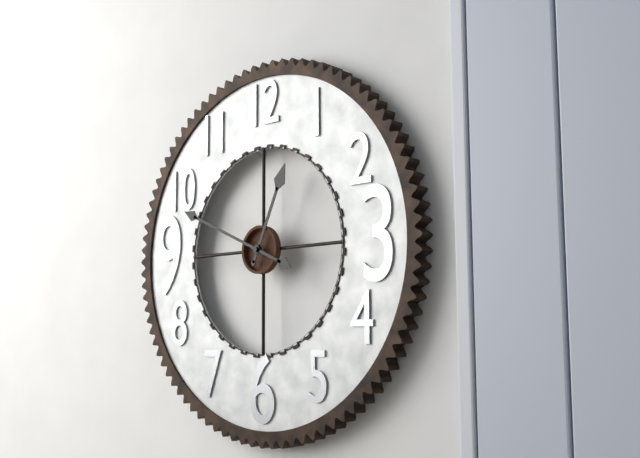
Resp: 12,49
